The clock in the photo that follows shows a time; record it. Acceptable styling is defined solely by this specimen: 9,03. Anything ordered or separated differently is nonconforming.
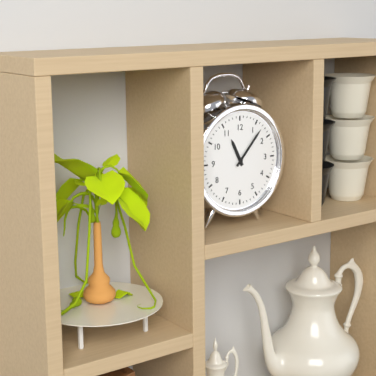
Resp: 11,07
